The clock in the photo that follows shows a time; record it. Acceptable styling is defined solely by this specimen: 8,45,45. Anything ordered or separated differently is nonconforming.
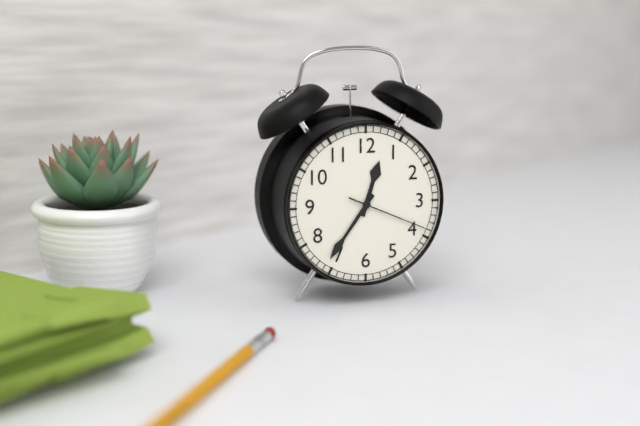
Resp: 12,36,19
